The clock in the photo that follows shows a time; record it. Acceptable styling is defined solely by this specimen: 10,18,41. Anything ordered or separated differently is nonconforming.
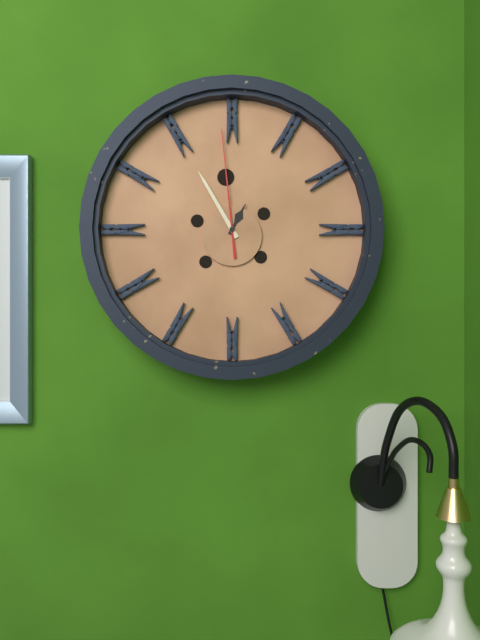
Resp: 12,55,59
